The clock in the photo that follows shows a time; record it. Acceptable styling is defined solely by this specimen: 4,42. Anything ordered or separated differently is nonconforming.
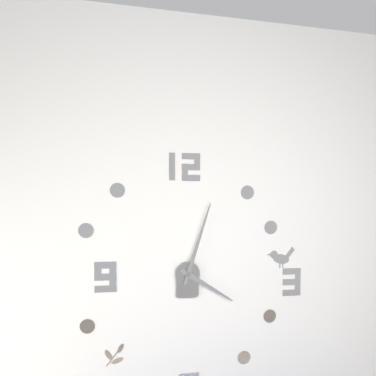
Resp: 4,03
